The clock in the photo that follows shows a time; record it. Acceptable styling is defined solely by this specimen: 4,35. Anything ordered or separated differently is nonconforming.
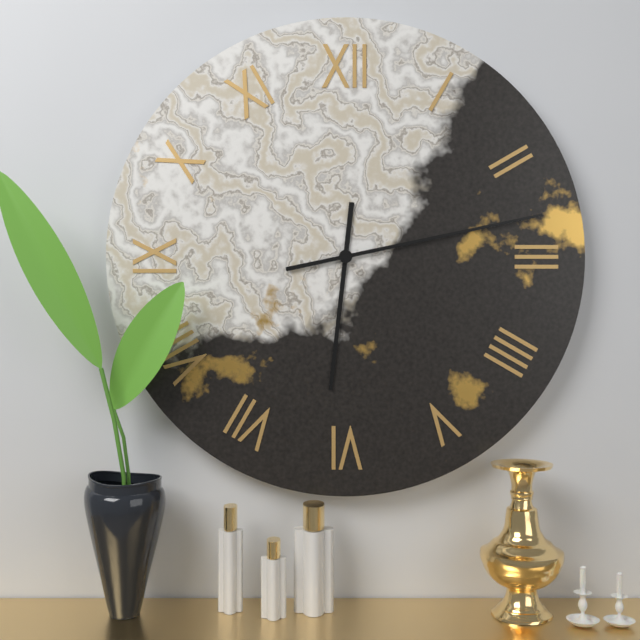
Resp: 6,13
